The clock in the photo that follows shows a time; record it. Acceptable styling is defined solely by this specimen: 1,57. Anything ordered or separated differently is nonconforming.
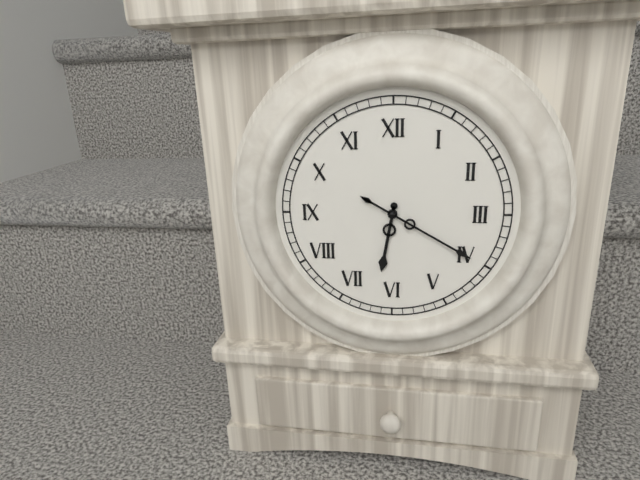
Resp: 6,20
